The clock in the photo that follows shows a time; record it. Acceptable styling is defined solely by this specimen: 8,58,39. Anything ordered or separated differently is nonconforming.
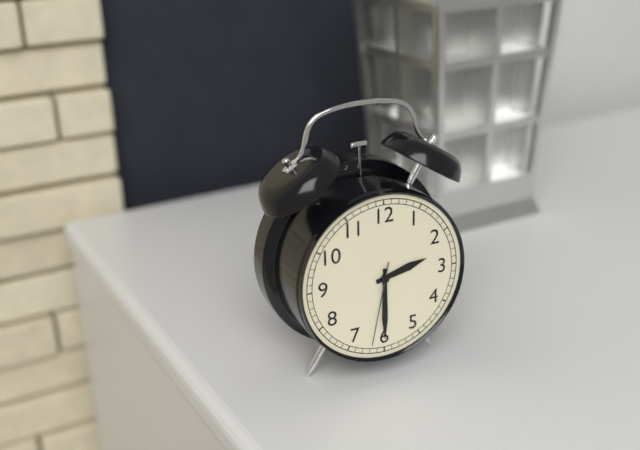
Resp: 2,30,32
